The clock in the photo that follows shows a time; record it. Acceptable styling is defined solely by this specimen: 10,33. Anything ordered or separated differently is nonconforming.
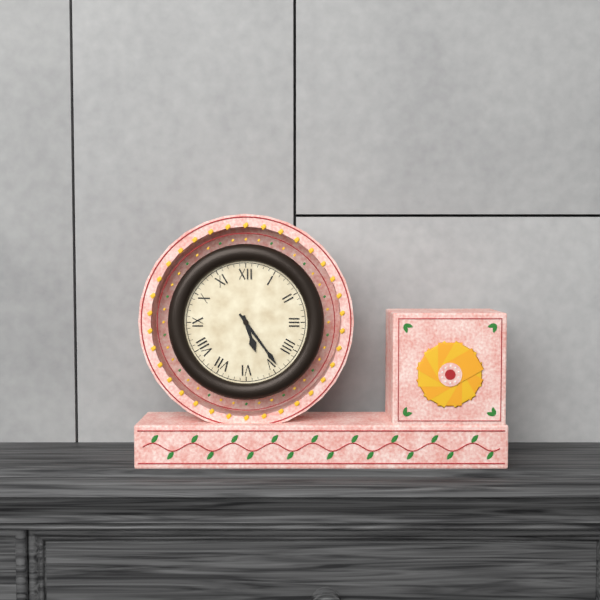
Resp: 5,24
